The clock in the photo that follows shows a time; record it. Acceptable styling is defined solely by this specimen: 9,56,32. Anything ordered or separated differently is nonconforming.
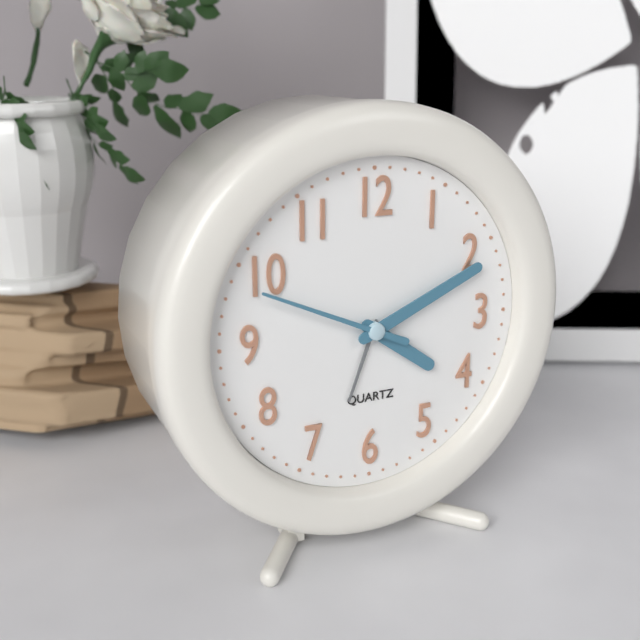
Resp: 4,11,49
